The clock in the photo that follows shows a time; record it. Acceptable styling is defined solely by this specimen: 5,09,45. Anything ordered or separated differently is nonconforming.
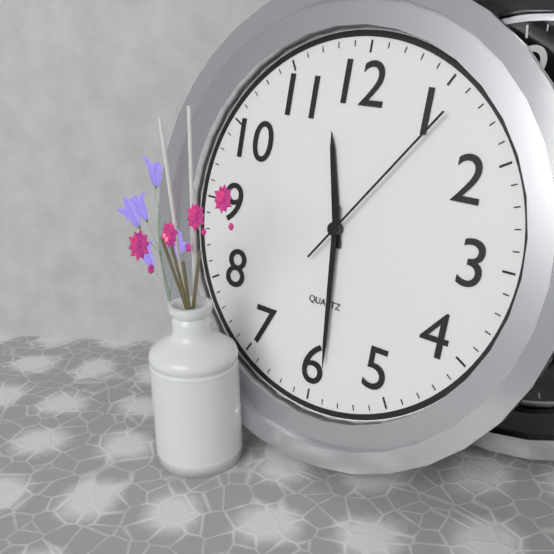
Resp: 11,29,06
